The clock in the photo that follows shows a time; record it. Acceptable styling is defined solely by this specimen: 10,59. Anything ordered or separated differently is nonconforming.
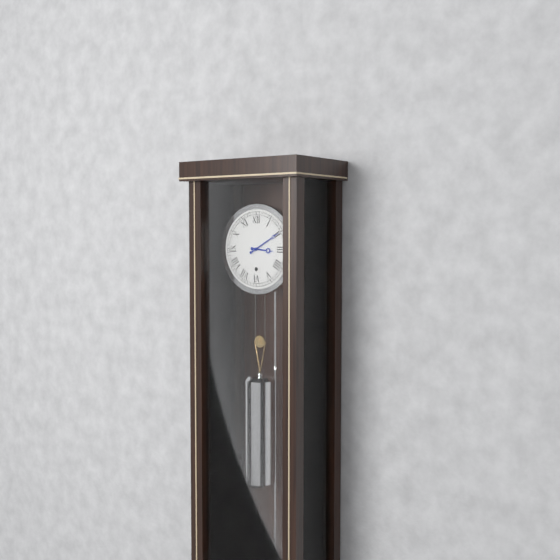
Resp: 3,10
